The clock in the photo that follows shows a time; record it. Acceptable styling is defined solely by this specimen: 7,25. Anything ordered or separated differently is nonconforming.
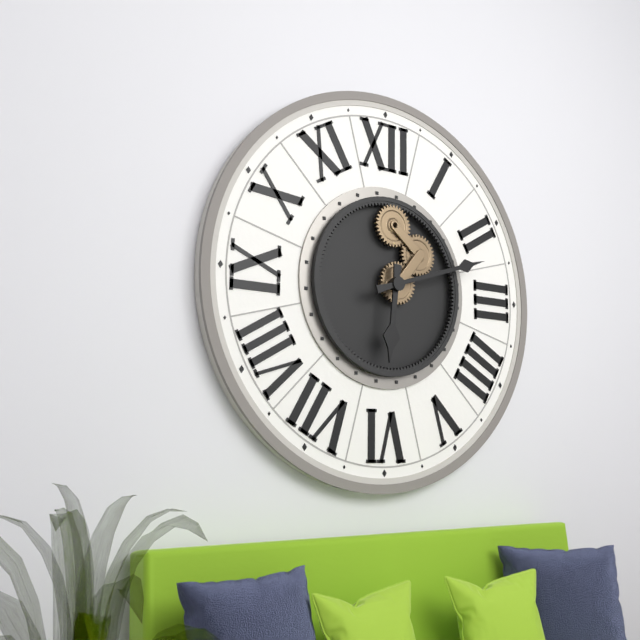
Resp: 6,12
